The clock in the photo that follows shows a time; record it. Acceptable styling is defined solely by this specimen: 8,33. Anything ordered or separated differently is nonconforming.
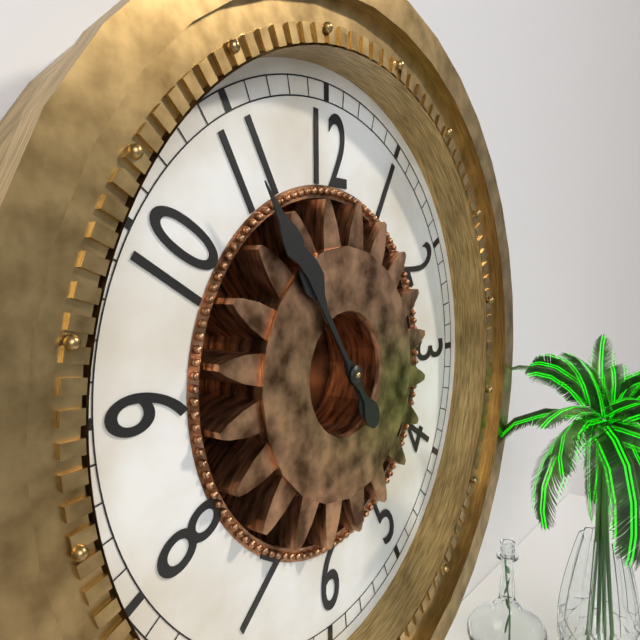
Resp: 10,54
